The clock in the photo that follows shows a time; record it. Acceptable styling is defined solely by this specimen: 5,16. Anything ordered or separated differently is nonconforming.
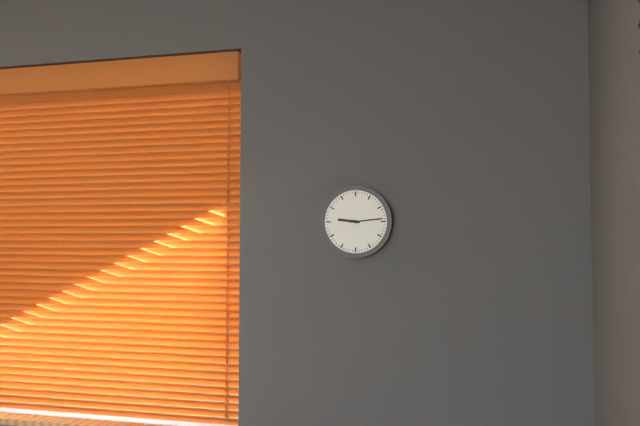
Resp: 9,14
